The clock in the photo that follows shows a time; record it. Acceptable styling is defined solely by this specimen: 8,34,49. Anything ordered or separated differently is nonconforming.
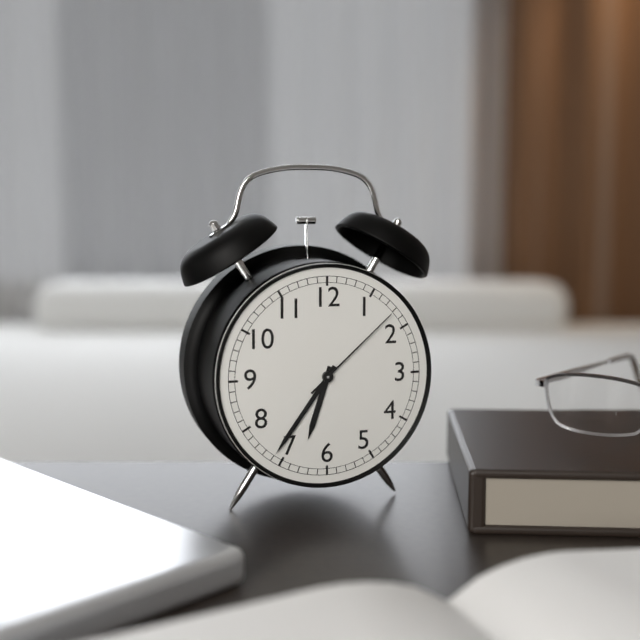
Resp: 6,36,08
